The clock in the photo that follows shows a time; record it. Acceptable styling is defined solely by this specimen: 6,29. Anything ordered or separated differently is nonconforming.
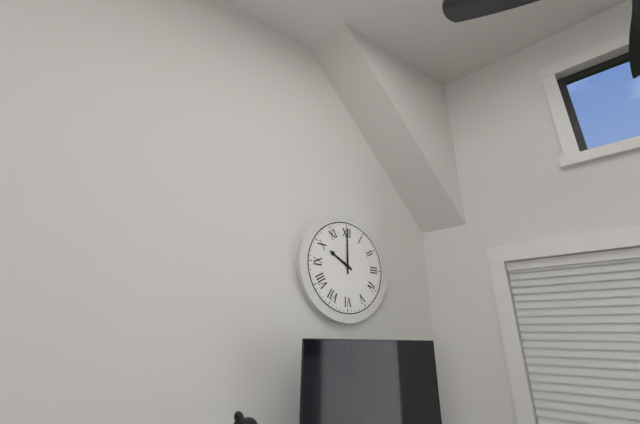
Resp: 10,00
